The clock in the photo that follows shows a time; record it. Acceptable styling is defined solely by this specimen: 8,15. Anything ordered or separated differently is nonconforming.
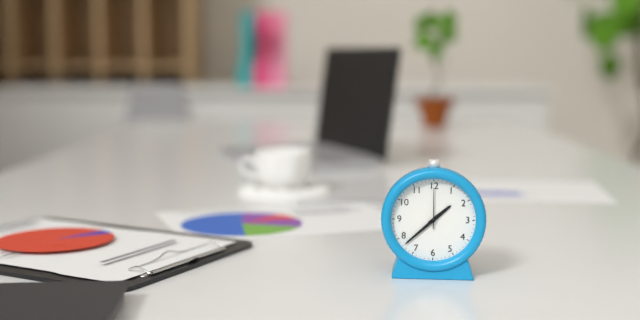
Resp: 1,38
